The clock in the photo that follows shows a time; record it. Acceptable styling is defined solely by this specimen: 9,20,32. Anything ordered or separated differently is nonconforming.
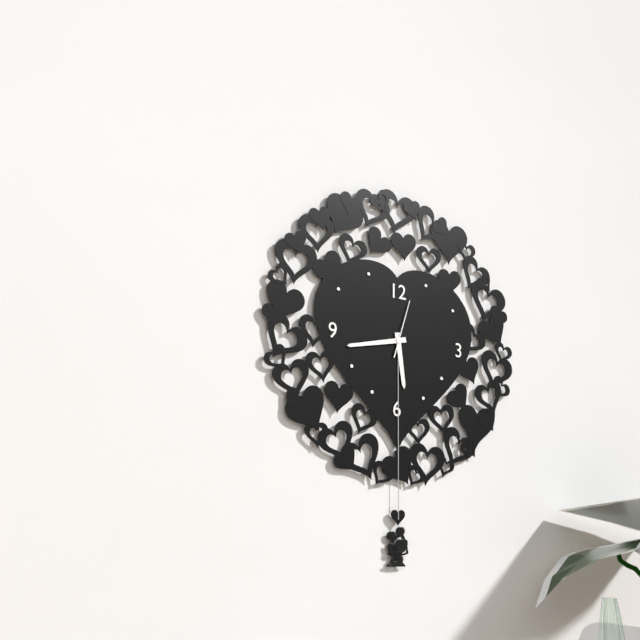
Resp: 5,43,03
